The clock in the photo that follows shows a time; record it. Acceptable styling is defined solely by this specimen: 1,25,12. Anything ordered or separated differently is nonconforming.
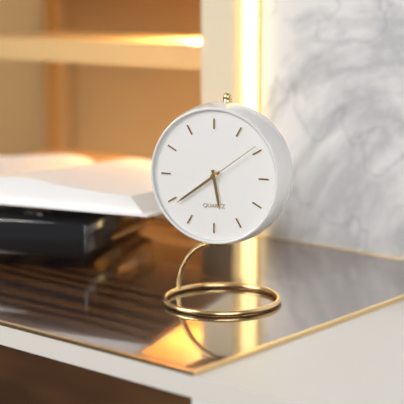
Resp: 5,39,09
